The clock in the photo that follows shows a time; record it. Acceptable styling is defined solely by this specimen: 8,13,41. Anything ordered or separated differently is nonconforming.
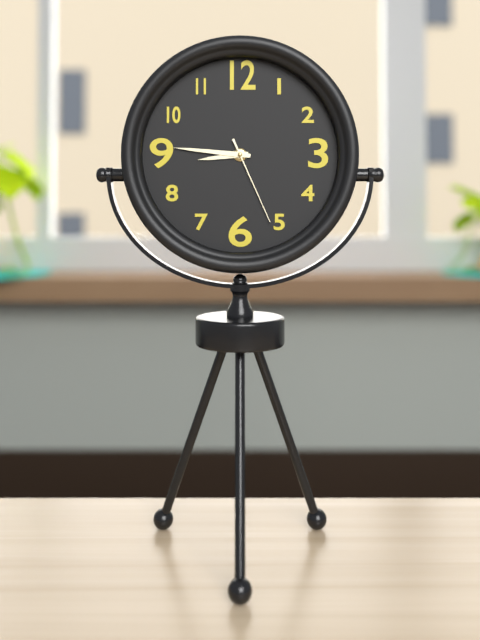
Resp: 8,46,26
